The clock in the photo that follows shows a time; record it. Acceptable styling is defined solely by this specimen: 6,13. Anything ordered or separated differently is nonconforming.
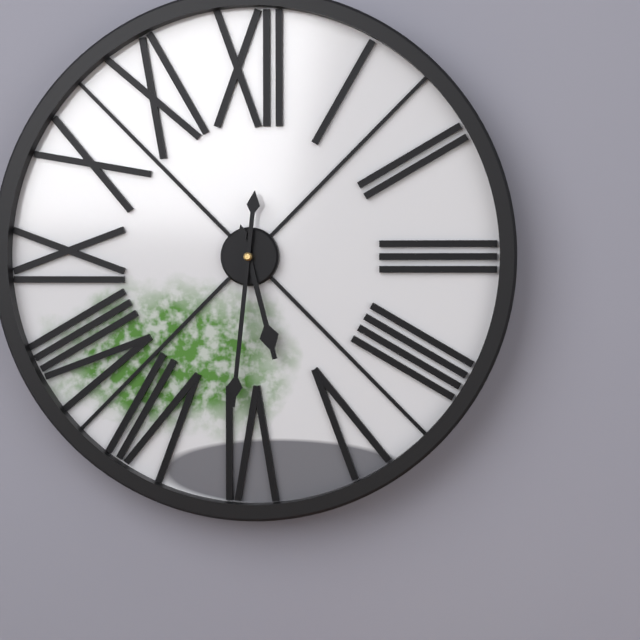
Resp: 5,31
